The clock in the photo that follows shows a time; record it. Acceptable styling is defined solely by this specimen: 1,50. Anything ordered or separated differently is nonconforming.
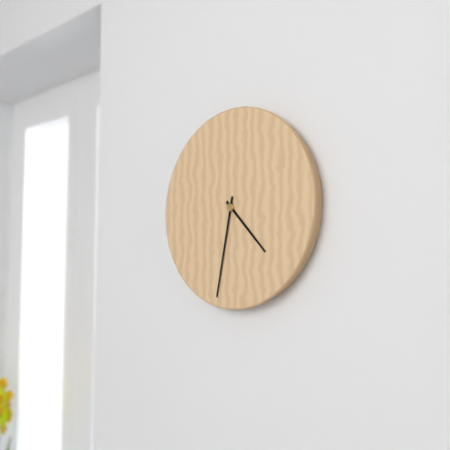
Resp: 4,32
